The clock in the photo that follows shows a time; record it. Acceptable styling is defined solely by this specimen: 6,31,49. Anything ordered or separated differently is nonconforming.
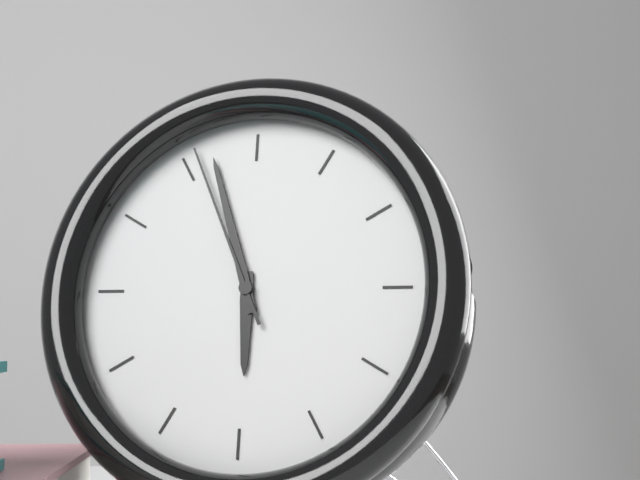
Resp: 5,57,56
